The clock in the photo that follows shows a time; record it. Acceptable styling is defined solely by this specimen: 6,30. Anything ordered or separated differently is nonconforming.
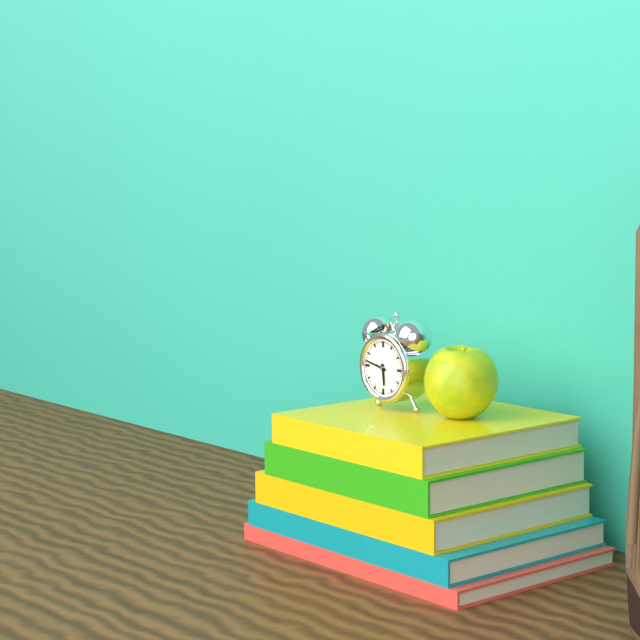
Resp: 5,47
